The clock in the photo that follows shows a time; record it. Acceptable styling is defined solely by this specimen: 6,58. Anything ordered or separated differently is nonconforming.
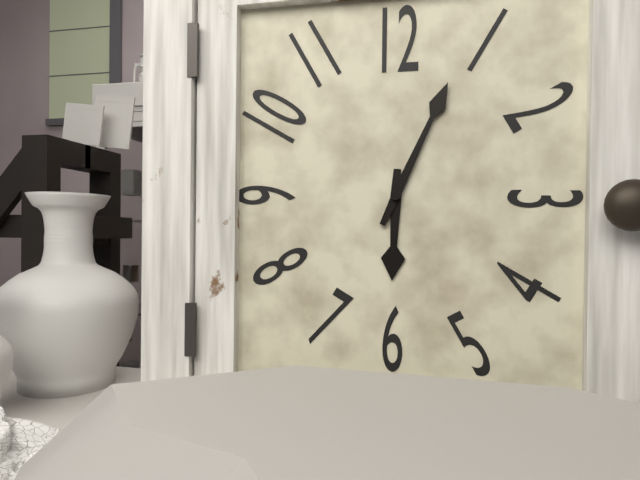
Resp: 6,04
